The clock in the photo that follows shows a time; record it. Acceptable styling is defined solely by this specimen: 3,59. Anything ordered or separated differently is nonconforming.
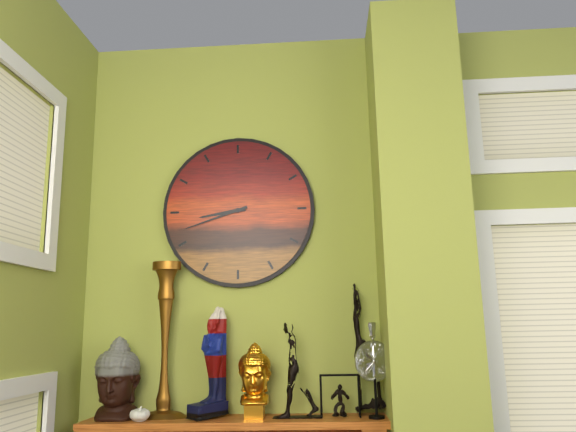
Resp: 8,42
